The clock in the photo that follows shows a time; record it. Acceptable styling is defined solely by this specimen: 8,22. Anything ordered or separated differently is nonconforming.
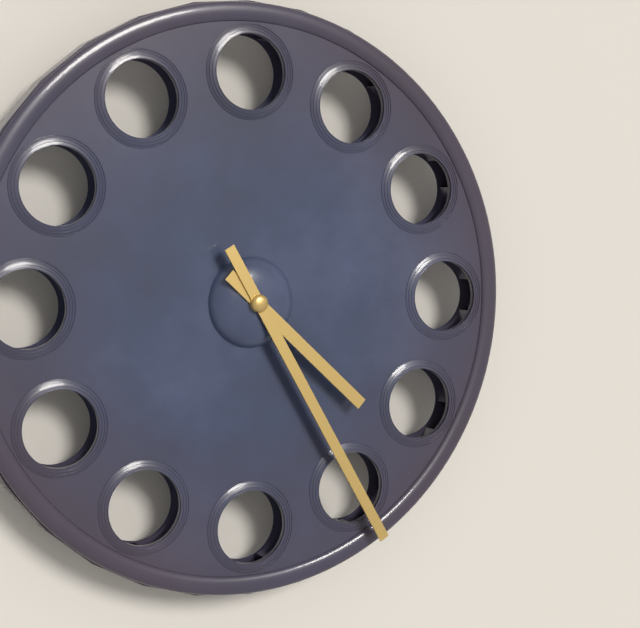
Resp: 4,25
